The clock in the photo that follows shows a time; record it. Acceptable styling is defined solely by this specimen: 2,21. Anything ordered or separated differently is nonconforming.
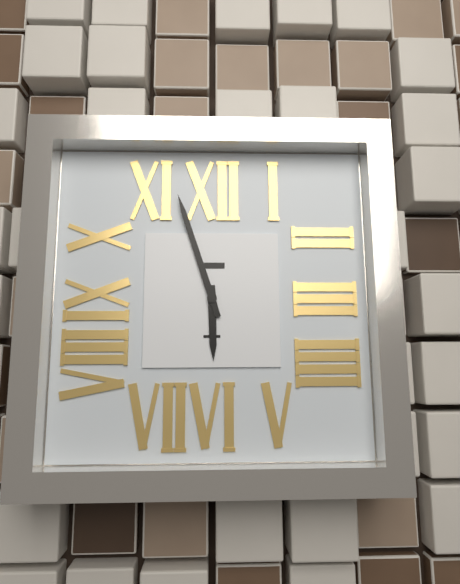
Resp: 5,57
